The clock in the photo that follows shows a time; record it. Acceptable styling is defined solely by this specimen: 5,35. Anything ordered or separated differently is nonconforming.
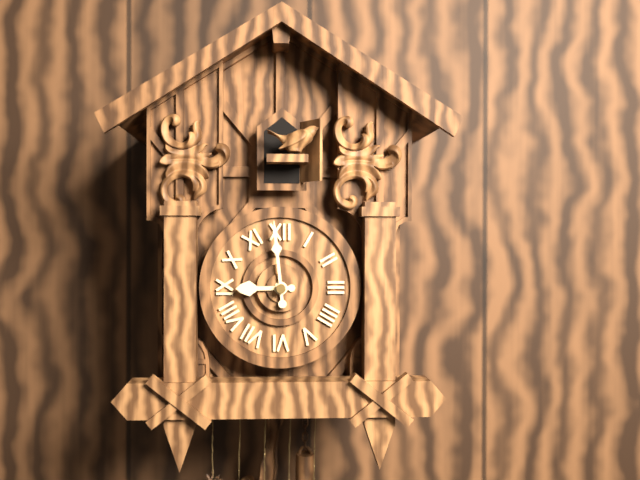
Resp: 8,59
